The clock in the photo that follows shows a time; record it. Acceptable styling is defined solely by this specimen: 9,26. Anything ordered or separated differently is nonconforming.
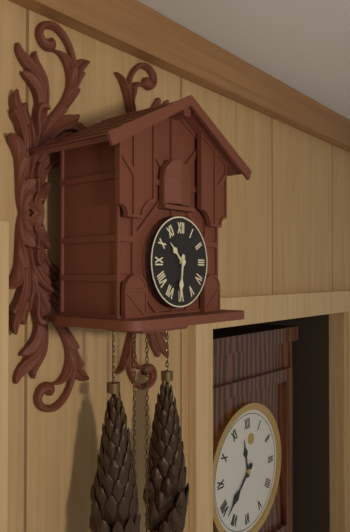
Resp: 10,31
